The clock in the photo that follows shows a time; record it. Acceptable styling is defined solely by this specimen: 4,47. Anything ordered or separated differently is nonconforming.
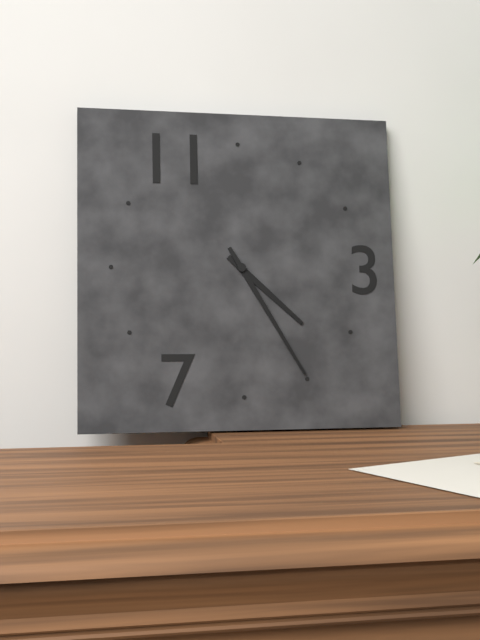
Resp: 4,25
